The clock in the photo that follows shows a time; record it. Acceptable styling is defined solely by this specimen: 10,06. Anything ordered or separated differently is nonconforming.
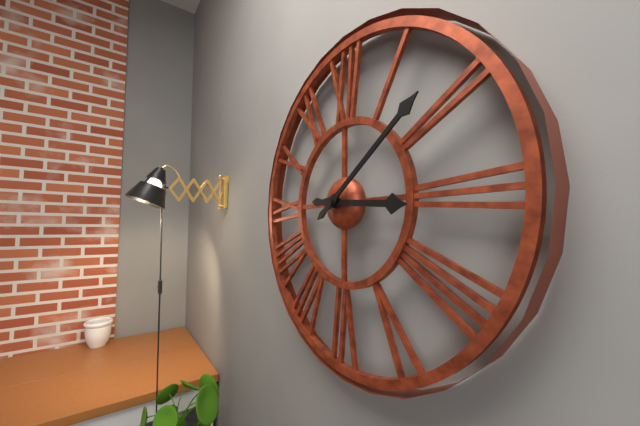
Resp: 3,09
